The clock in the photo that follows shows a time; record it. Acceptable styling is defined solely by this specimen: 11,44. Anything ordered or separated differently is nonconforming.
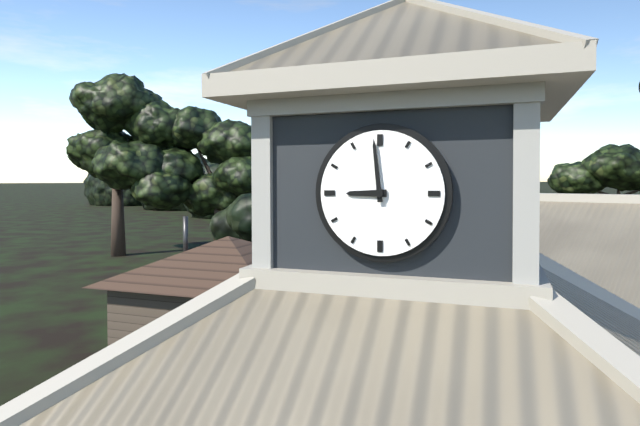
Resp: 8,59
